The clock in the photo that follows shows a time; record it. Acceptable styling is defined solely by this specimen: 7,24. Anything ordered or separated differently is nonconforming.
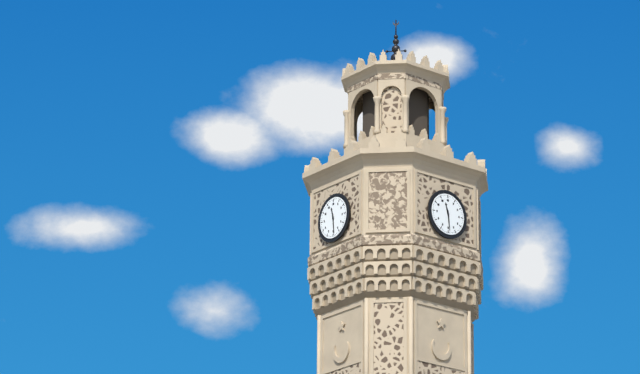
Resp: 11,29
